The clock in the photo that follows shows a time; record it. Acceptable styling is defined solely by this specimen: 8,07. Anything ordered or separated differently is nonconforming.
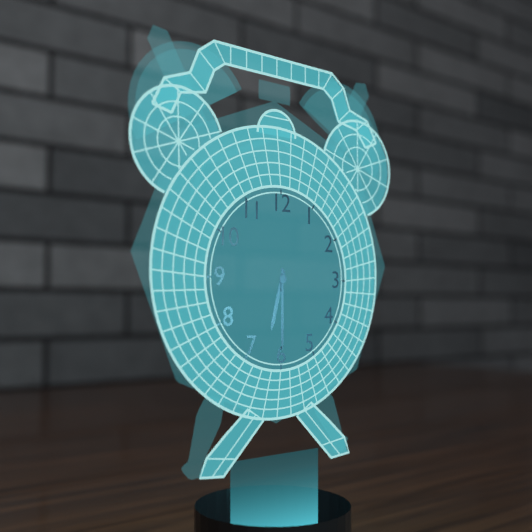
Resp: 6,30
